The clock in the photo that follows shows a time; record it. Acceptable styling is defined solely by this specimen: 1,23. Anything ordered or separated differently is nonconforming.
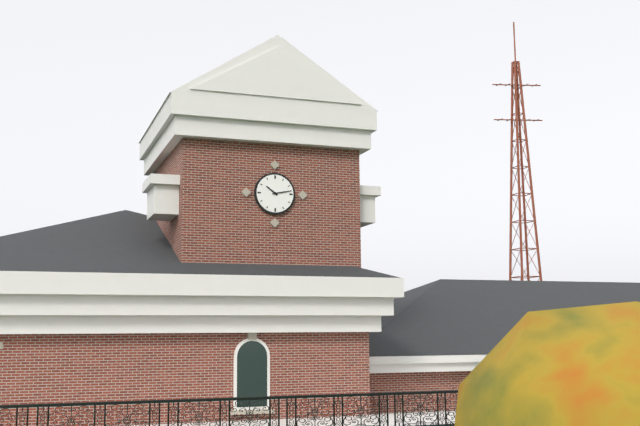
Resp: 10,13
